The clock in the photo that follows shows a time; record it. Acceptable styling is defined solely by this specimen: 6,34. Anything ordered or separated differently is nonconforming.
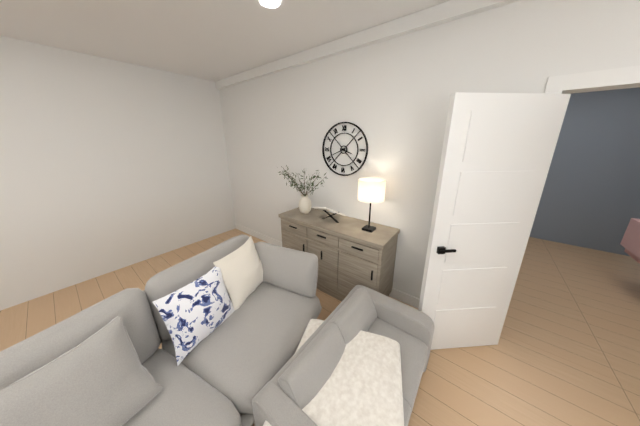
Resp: 3,41
